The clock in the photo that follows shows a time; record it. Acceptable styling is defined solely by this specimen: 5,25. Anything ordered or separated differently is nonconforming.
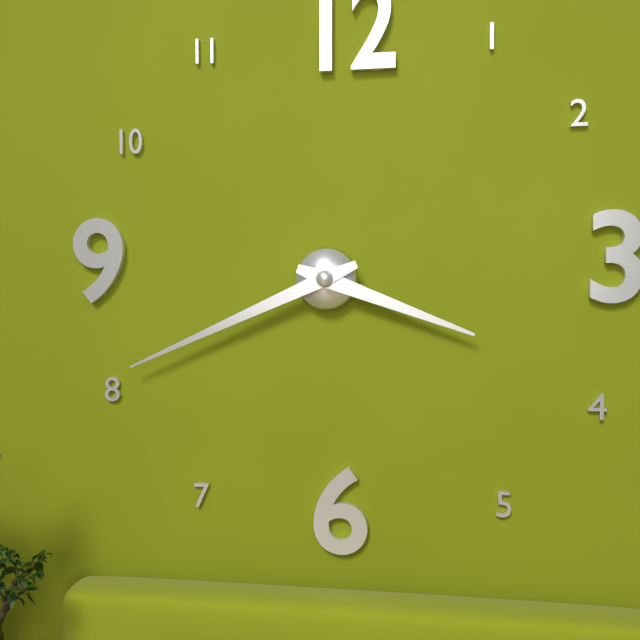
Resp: 3,41
